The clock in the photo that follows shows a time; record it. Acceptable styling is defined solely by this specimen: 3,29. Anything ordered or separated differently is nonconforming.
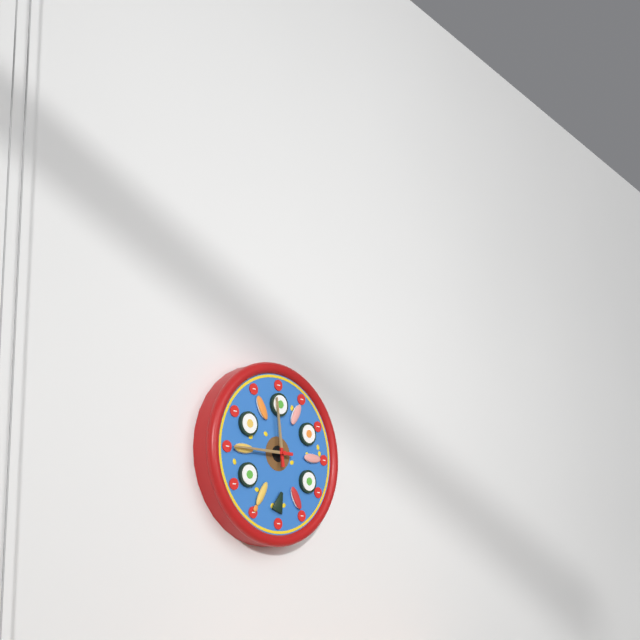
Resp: 11,45
